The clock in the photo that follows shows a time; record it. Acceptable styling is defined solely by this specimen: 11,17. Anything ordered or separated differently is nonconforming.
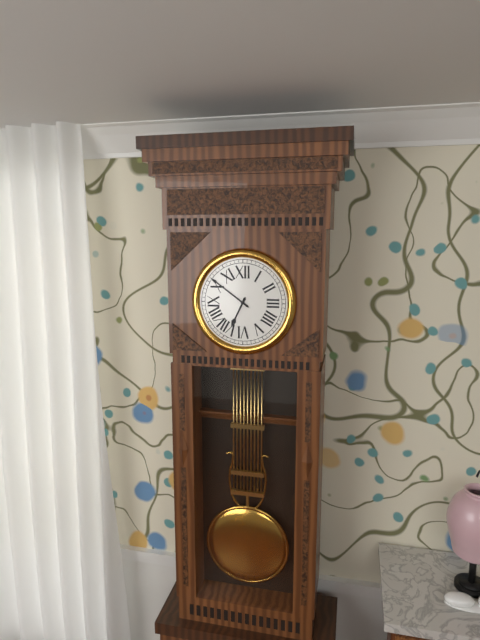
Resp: 6,51
